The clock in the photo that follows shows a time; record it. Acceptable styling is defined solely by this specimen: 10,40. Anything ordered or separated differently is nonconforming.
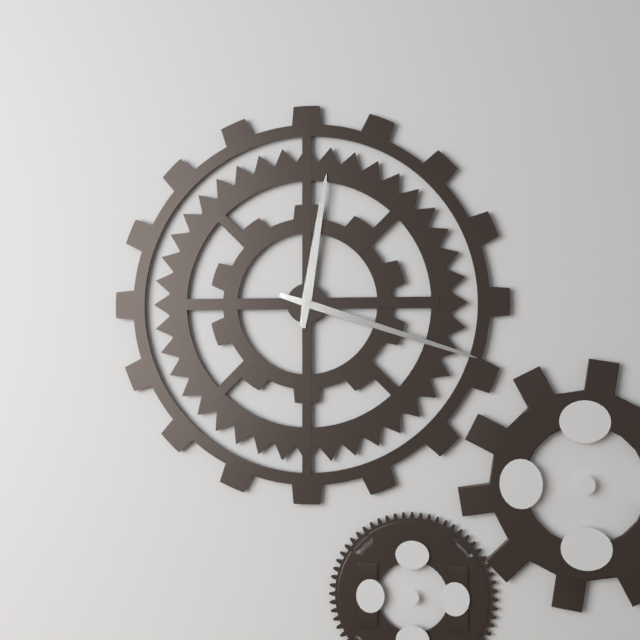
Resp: 12,18
